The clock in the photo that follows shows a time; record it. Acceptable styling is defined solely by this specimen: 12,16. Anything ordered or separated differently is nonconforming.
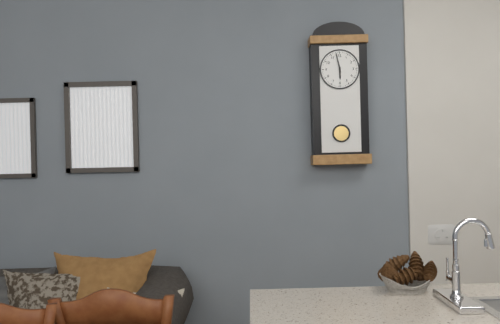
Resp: 5,58
